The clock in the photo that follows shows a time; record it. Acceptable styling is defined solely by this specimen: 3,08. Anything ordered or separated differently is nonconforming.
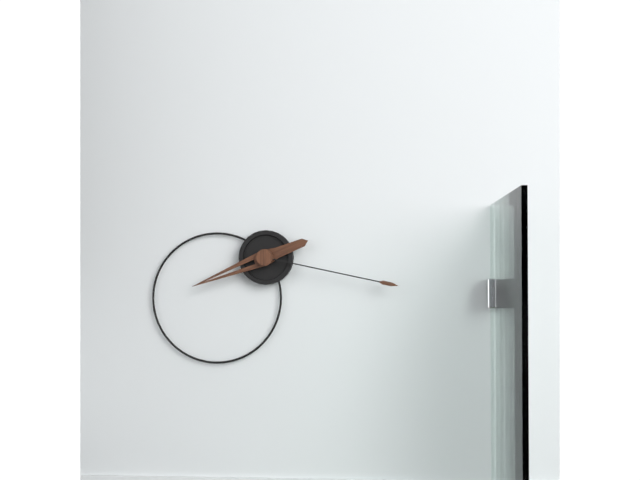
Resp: 8,17
